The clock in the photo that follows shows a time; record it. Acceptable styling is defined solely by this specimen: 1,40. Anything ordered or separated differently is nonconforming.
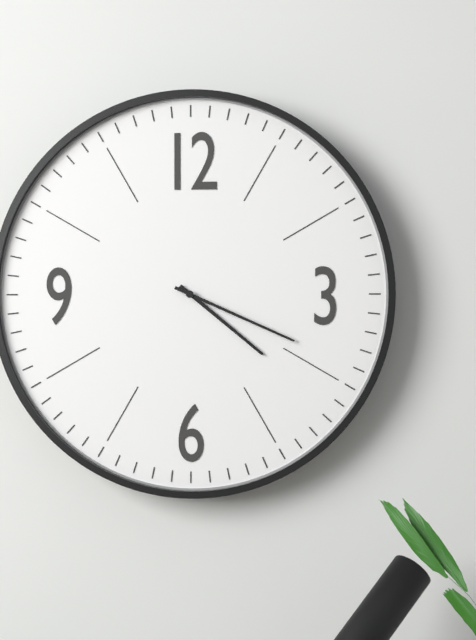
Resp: 4,19
